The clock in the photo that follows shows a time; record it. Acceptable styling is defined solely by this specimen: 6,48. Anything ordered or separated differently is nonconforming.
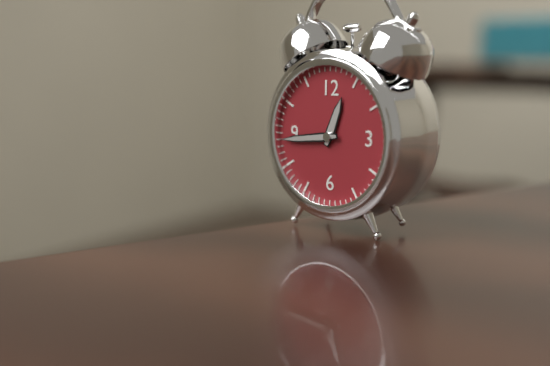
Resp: 12,44
